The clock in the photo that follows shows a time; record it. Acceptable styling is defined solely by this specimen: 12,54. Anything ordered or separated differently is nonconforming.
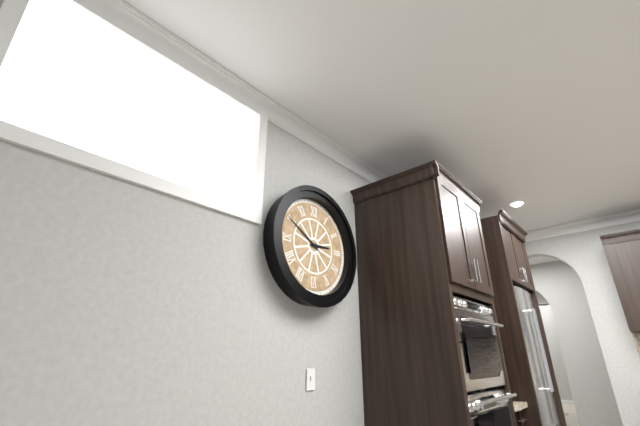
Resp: 2,50
